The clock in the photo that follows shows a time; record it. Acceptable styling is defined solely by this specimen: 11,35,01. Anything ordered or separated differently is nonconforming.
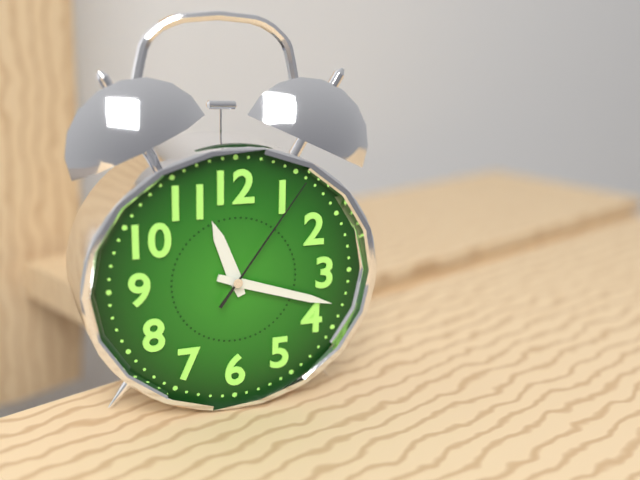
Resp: 11,18,06
